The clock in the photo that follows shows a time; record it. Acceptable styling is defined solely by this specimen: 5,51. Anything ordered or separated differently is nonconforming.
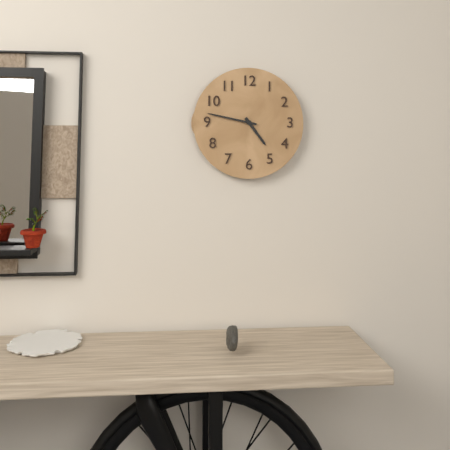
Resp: 4,47
